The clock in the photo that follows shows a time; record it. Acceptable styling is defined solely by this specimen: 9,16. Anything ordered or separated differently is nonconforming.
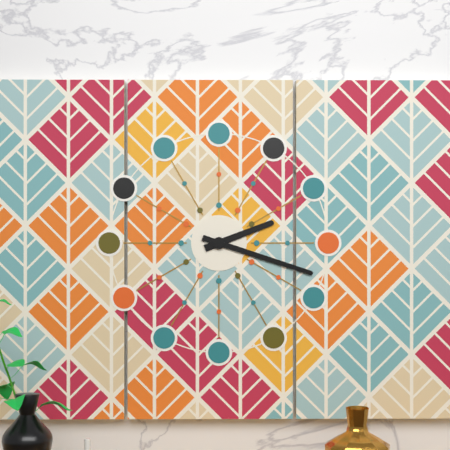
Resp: 2,18
